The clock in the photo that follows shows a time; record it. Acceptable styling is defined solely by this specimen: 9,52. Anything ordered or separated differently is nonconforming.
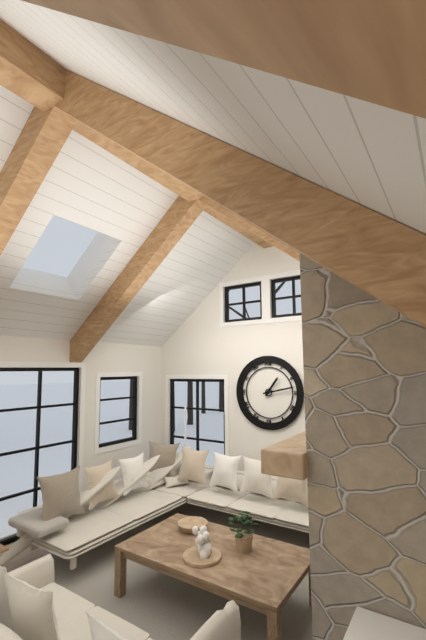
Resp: 1,13
